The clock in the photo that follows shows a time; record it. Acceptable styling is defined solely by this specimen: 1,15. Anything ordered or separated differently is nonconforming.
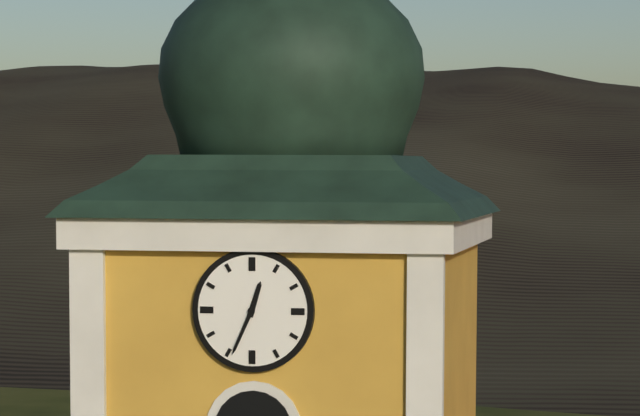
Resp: 12,34
